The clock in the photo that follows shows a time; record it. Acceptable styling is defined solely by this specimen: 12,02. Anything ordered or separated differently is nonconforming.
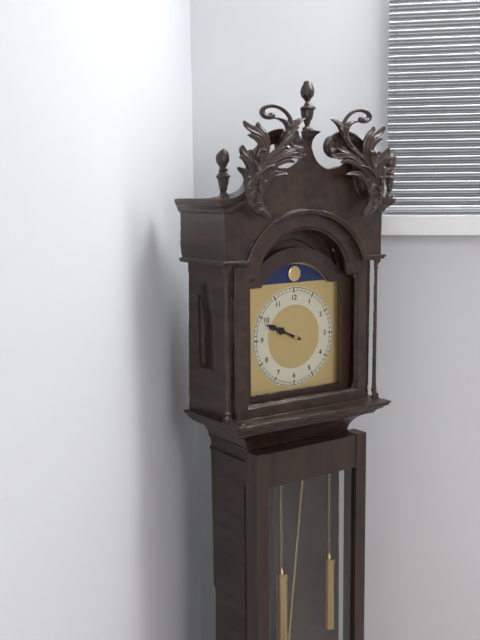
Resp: 9,49
